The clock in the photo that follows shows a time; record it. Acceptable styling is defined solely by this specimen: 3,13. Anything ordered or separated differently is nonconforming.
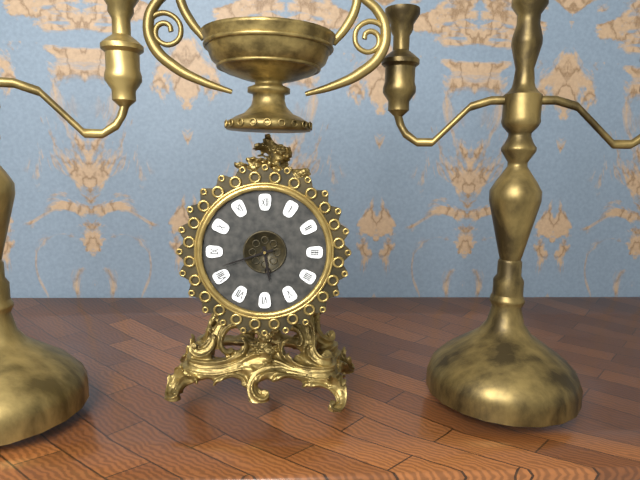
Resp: 5,42
